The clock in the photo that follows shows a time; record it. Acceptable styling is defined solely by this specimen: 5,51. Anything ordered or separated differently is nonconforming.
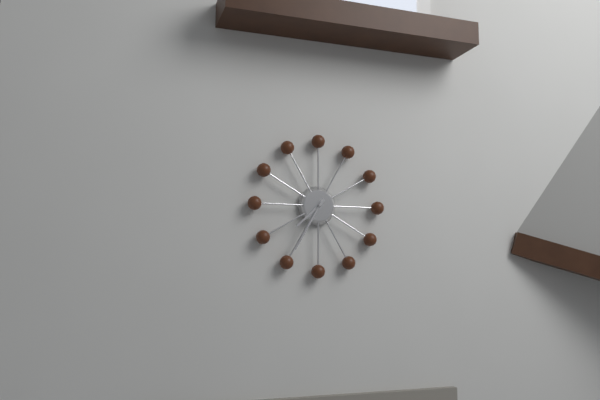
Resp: 7,35
